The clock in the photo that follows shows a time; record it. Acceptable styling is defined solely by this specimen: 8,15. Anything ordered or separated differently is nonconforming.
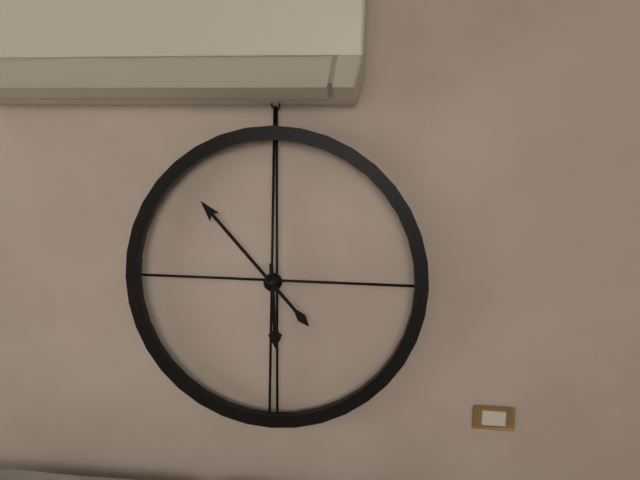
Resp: 5,53
